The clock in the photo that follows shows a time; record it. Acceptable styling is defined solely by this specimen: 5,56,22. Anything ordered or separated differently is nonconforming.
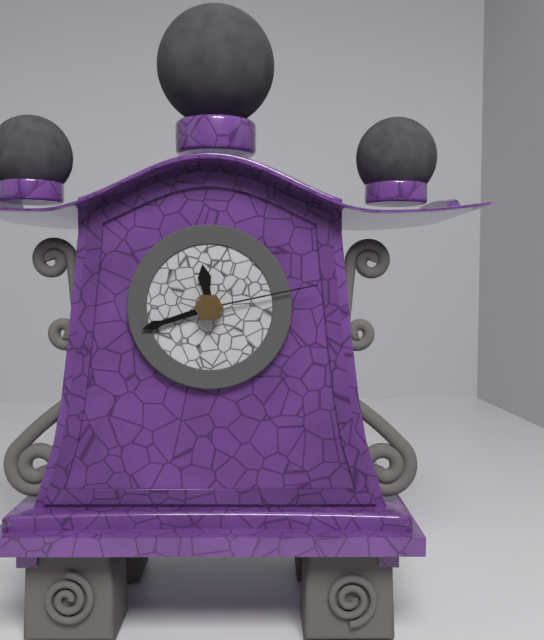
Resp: 11,42,13
